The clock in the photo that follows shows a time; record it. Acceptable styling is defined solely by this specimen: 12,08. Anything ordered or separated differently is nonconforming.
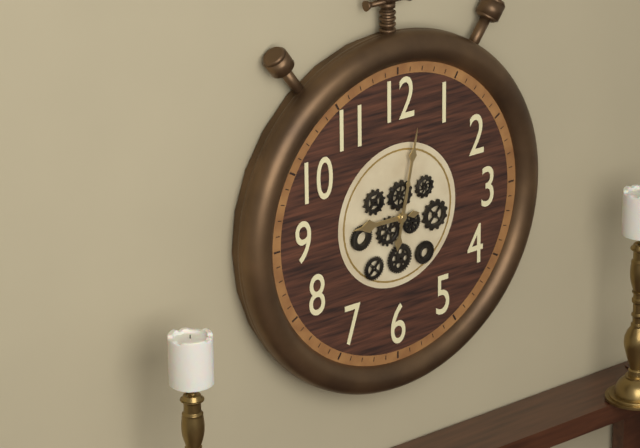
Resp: 9,02
